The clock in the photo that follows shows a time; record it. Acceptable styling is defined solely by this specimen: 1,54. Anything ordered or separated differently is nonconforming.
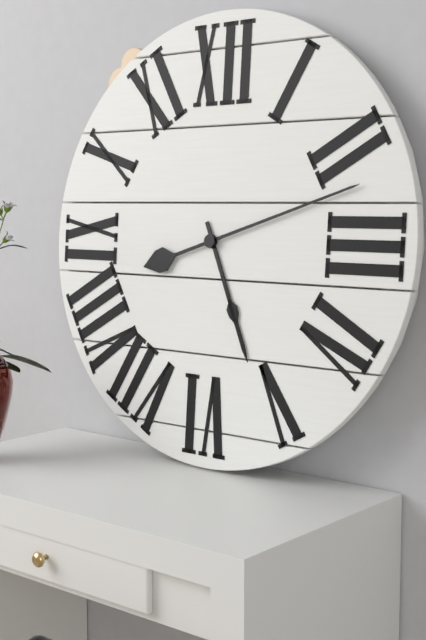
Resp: 5,12
